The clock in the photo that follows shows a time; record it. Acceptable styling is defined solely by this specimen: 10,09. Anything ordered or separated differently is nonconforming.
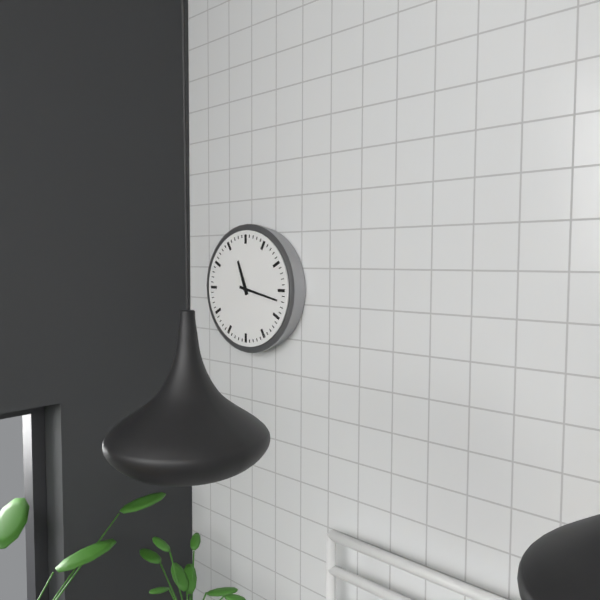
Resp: 11,17
